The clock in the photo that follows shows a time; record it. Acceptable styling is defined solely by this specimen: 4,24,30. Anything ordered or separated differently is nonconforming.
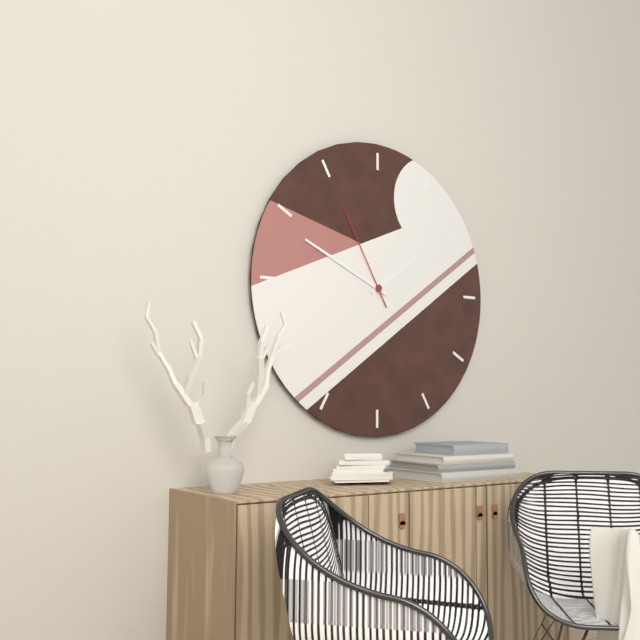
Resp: 1,49,55
